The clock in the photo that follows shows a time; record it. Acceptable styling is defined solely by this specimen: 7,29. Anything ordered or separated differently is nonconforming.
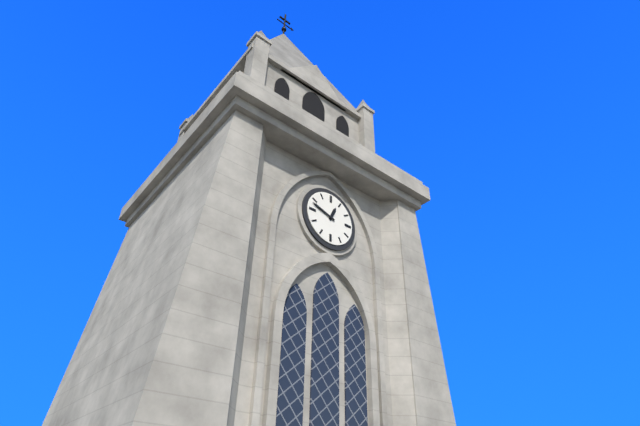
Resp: 12,48
